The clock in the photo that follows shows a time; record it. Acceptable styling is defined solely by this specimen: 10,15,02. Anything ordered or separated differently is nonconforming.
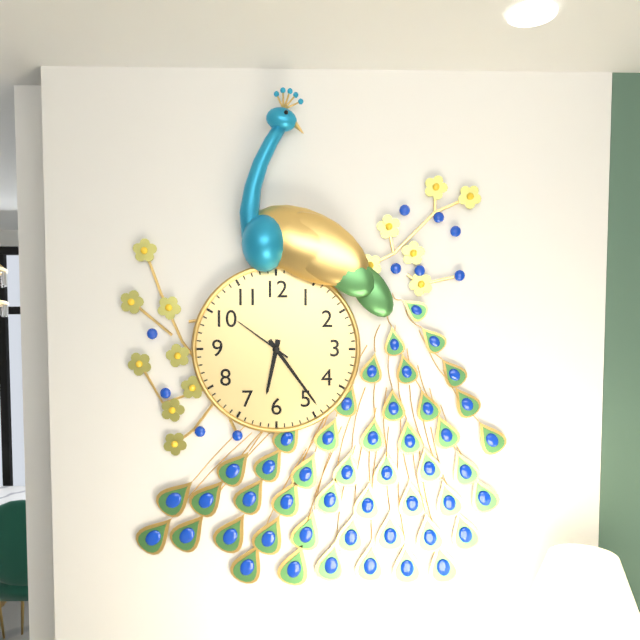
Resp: 6,24,51
